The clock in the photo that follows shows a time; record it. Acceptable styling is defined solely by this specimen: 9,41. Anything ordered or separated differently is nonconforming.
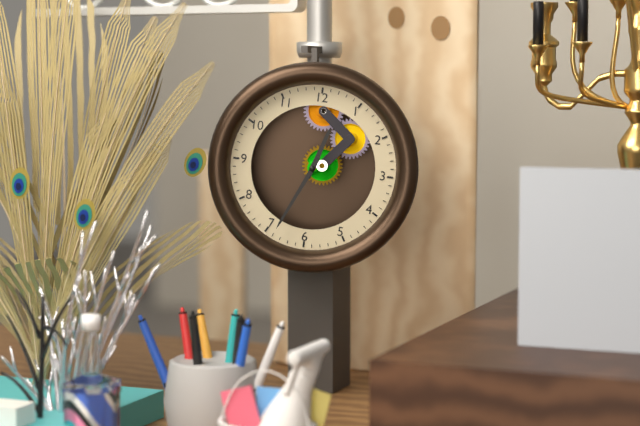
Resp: 12,34
